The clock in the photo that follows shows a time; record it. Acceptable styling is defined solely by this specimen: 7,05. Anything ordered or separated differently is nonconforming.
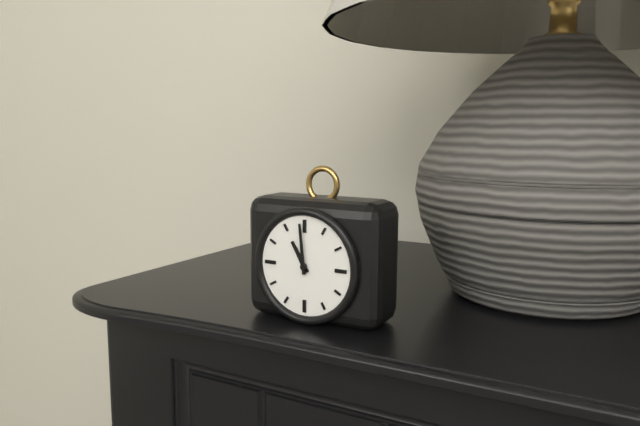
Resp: 10,59
